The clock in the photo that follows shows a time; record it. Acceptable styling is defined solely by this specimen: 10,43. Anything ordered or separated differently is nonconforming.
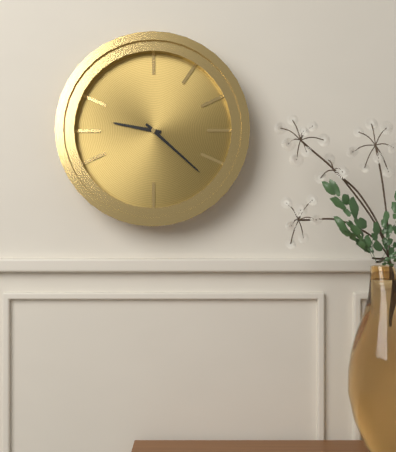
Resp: 9,22
